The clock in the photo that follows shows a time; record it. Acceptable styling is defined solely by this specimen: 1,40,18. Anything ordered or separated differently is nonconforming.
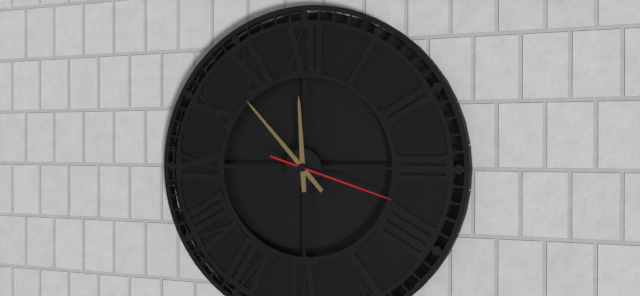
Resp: 11,53,18
